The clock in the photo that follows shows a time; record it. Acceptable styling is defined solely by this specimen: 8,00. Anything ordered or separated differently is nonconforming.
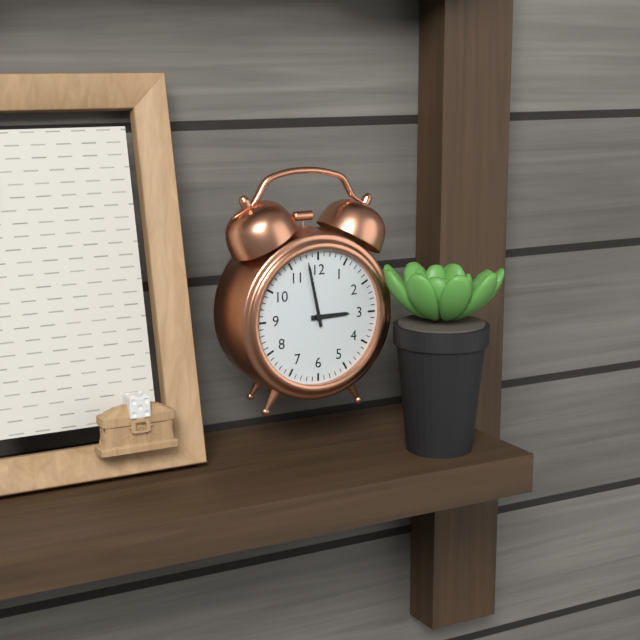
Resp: 2,58
